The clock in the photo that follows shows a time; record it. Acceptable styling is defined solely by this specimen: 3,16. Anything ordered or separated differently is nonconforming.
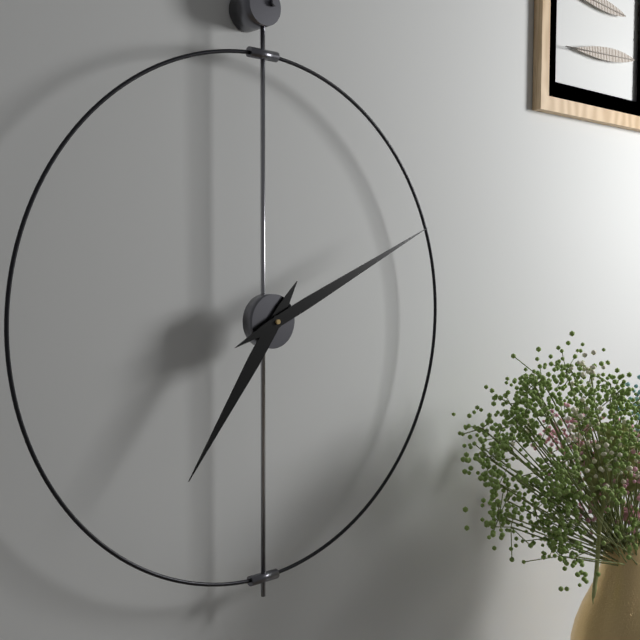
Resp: 7,11
